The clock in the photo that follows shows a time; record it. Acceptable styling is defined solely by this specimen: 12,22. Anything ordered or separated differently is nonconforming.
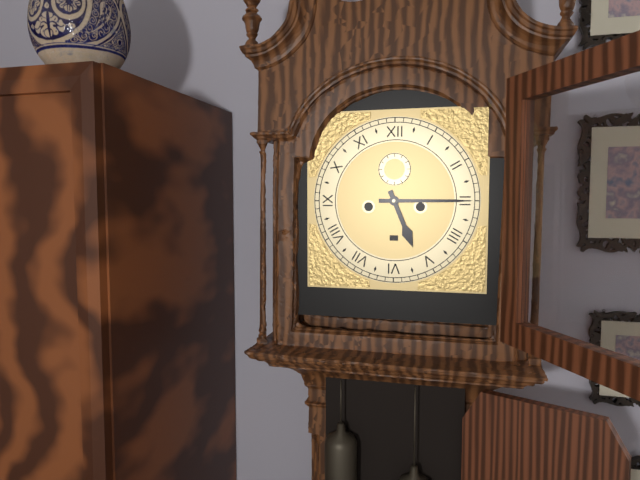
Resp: 5,15
